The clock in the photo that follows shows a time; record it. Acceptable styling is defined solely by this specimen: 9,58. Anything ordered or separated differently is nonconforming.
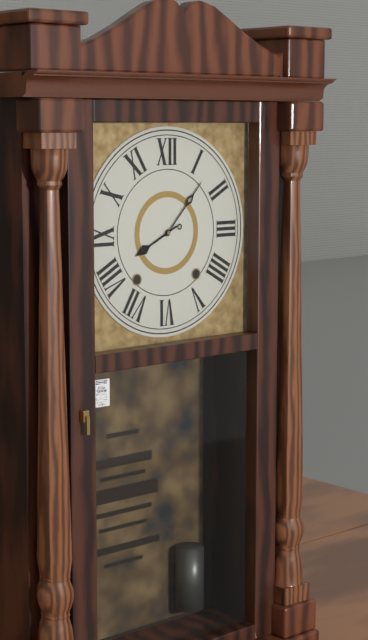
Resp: 8,07
